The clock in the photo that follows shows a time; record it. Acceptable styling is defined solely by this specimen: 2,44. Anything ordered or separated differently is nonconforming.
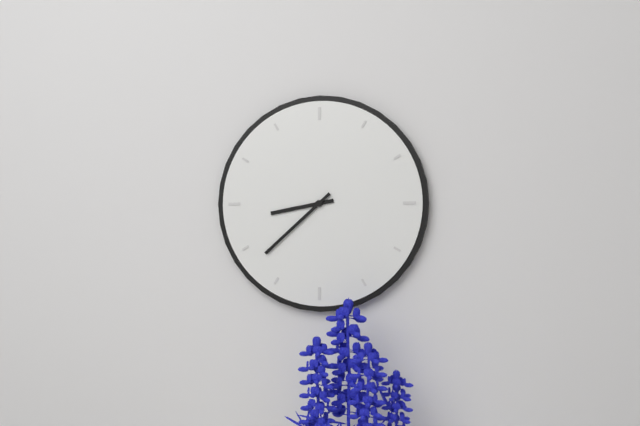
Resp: 8,38
